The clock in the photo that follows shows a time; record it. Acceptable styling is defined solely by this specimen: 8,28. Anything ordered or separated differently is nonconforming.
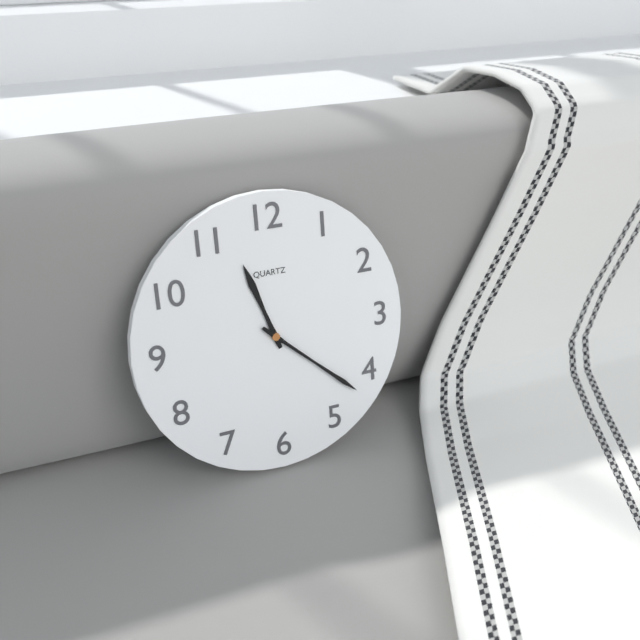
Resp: 11,22
